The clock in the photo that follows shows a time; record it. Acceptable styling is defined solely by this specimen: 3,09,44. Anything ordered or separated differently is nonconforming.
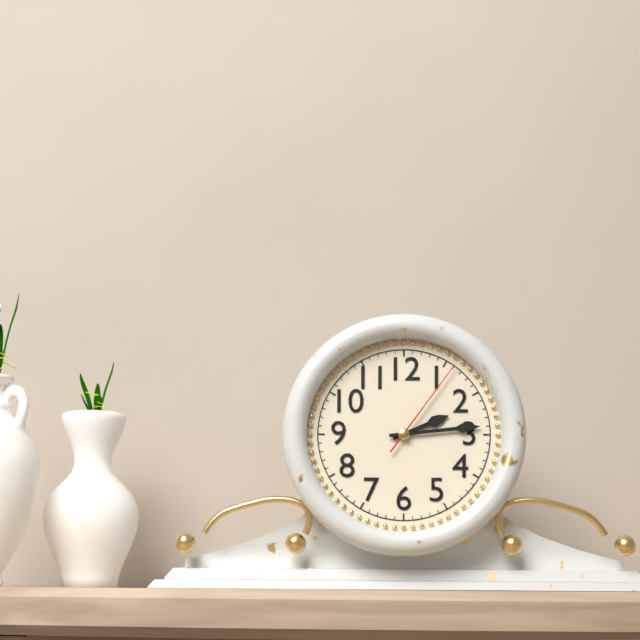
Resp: 2,14,06
